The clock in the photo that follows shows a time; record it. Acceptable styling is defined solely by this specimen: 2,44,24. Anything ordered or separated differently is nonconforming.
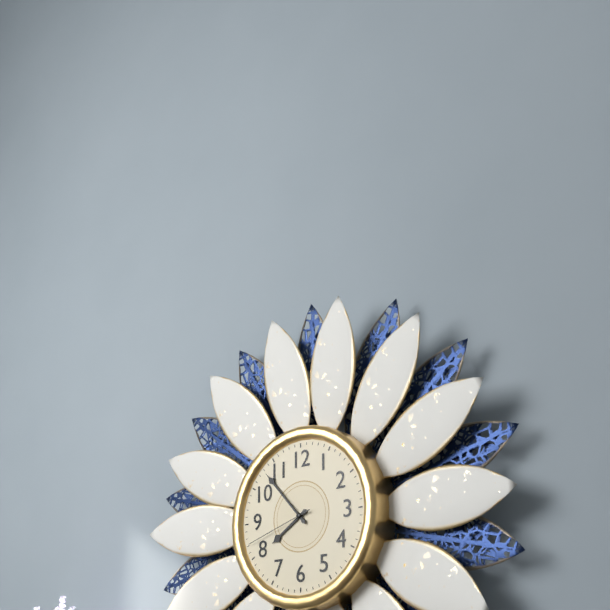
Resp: 7,53,42
